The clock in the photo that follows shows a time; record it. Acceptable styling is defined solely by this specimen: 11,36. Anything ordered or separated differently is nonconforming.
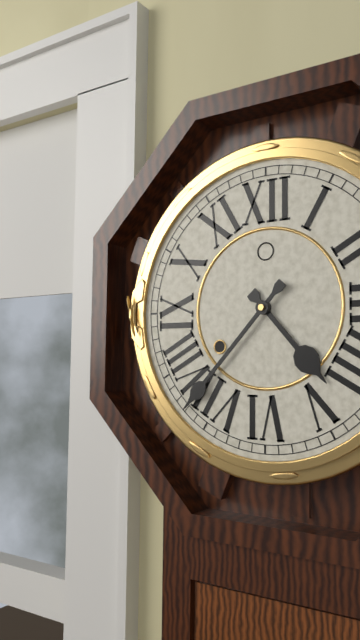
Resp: 4,37
